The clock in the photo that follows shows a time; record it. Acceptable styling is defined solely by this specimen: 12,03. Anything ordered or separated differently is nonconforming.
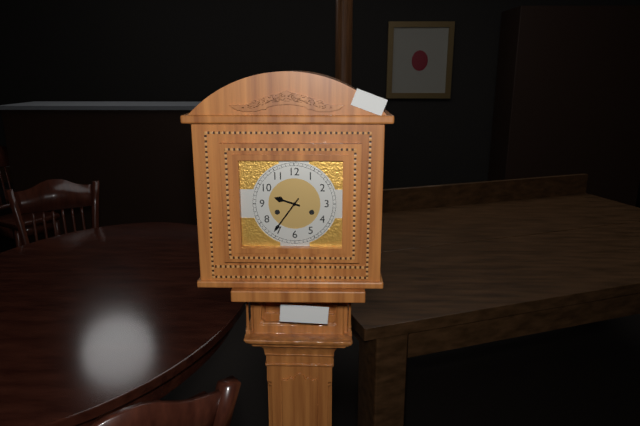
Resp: 9,36
